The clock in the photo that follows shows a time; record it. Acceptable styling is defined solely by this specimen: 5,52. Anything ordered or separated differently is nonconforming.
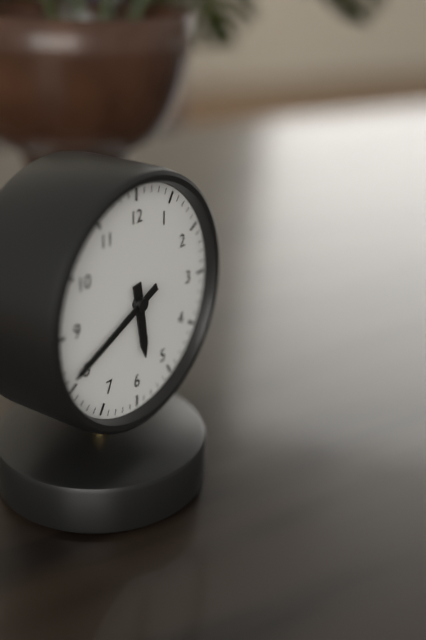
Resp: 5,41
